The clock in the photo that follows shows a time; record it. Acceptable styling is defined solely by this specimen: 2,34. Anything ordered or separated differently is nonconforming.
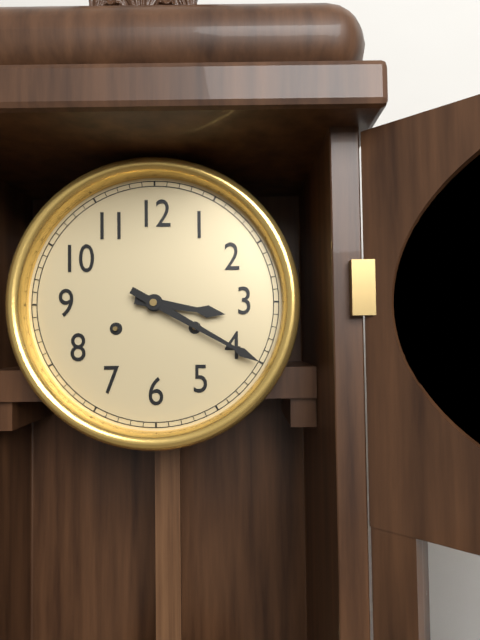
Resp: 3,20
